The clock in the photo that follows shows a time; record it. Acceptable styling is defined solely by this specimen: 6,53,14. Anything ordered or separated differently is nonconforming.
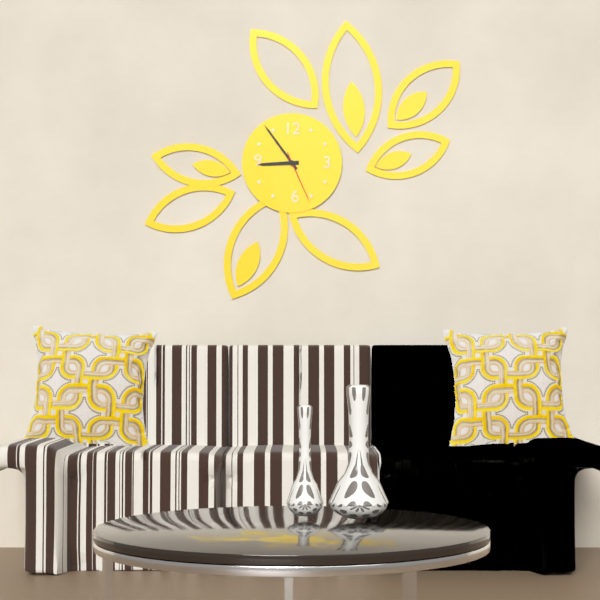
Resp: 8,54,26
